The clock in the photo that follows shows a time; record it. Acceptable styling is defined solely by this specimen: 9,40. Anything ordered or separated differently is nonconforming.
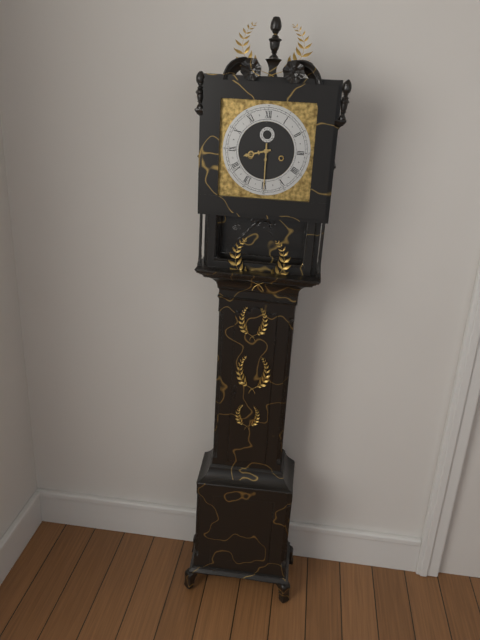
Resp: 8,30
